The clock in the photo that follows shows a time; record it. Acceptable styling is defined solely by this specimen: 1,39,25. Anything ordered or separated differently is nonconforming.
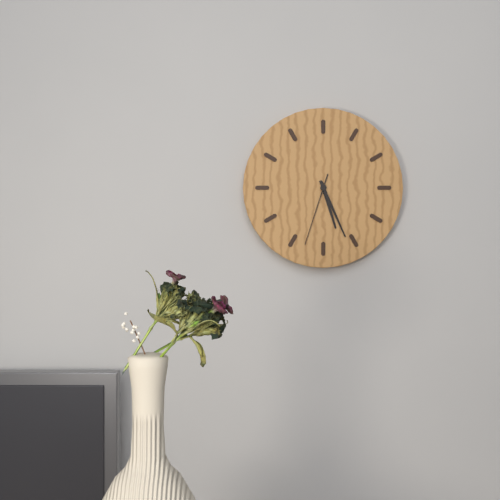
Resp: 5,26,33
